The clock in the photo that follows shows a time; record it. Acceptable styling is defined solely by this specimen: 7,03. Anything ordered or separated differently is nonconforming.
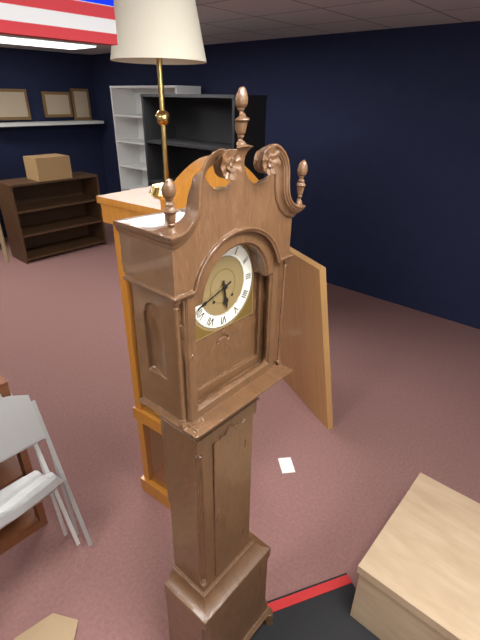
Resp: 5,42
